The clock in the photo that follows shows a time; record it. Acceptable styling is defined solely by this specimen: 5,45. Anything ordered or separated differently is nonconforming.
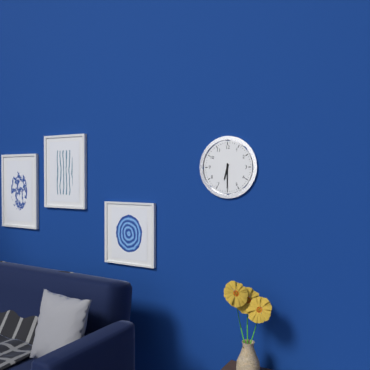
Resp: 6,30
